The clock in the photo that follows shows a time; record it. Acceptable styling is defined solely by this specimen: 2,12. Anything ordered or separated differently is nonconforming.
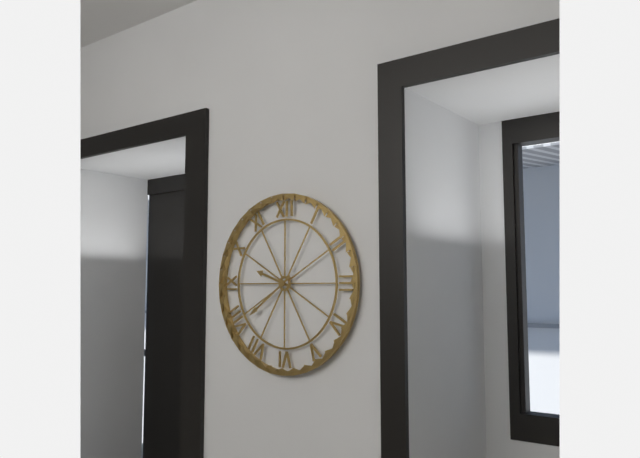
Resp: 9,39
